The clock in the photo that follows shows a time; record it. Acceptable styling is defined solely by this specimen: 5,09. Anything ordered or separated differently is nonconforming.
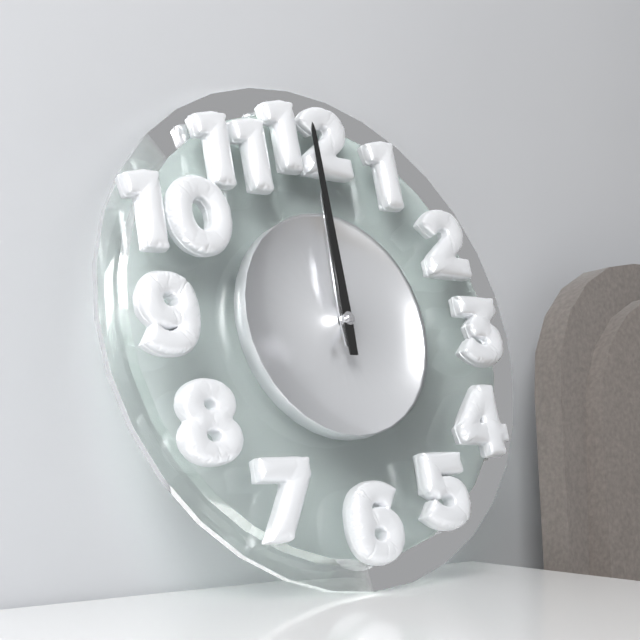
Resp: 12,00
